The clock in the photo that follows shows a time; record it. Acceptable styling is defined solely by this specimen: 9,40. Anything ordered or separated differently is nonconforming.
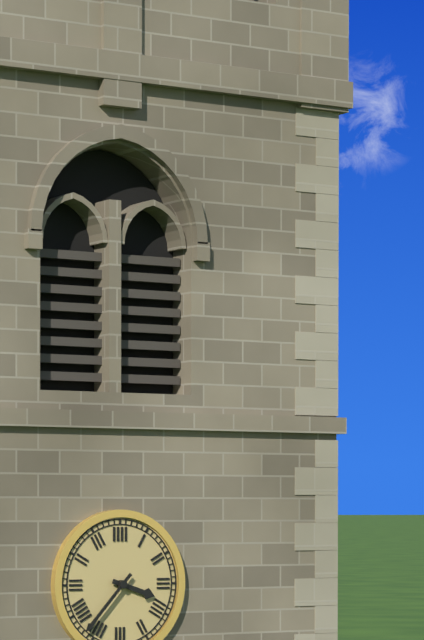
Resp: 3,37
